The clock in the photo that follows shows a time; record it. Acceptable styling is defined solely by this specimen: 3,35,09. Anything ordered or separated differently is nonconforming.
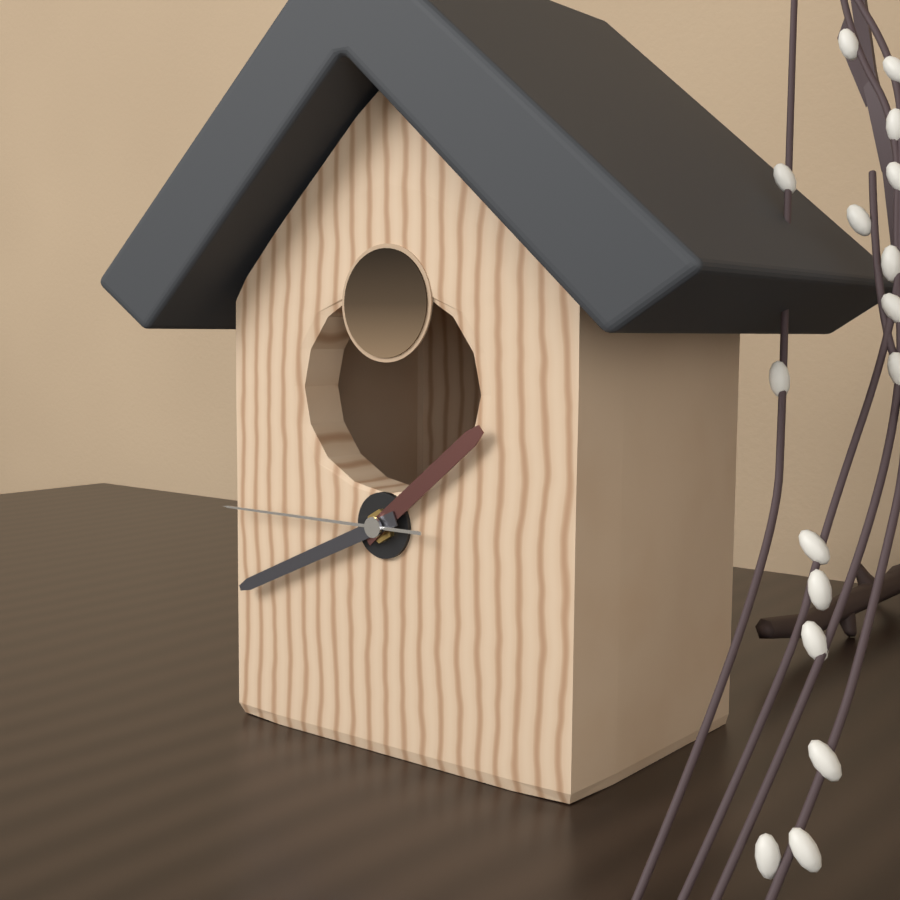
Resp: 1,41,45
